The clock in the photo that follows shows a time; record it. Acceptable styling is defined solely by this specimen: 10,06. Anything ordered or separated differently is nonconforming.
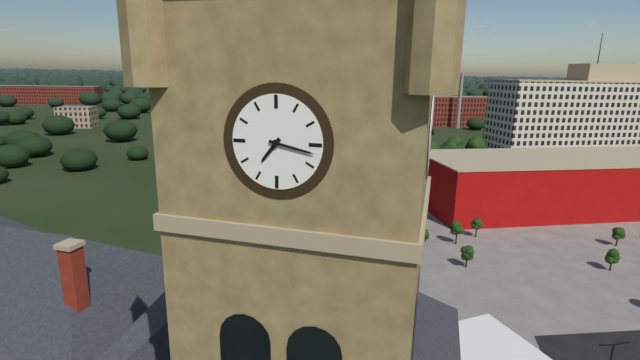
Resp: 7,17
